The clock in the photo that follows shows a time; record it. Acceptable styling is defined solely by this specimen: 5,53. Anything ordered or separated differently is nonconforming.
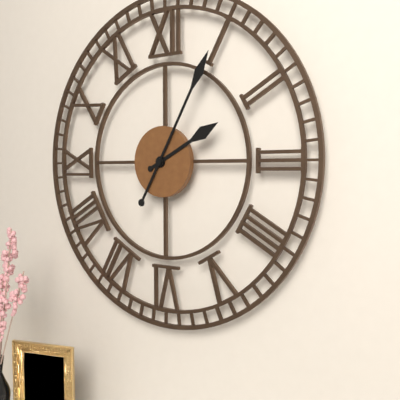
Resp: 2,05
